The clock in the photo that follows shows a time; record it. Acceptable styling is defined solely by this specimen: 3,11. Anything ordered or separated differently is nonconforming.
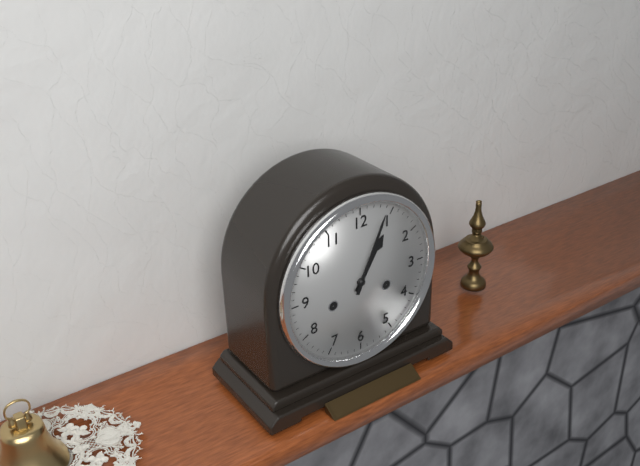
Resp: 1,04
